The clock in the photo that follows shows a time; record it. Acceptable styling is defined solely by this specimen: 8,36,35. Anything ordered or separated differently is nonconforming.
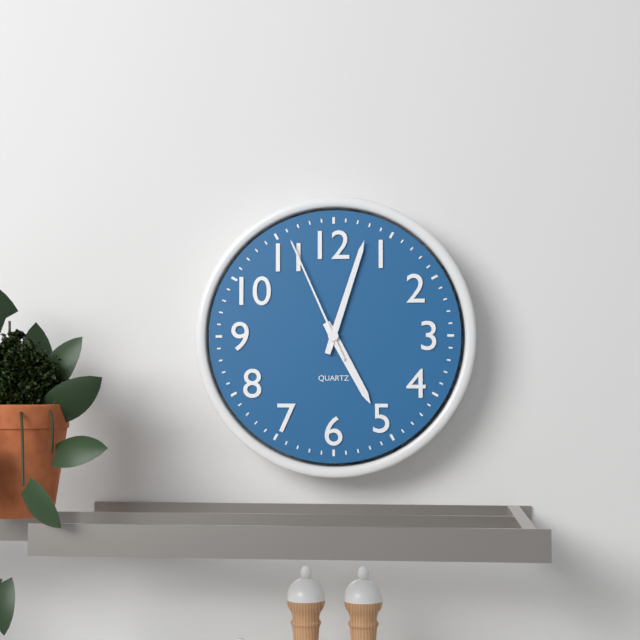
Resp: 5,03,56
